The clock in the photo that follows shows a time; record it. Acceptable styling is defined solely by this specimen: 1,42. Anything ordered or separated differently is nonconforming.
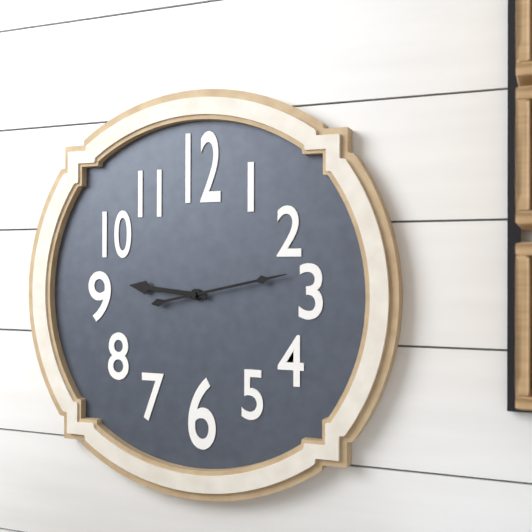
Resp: 9,13
